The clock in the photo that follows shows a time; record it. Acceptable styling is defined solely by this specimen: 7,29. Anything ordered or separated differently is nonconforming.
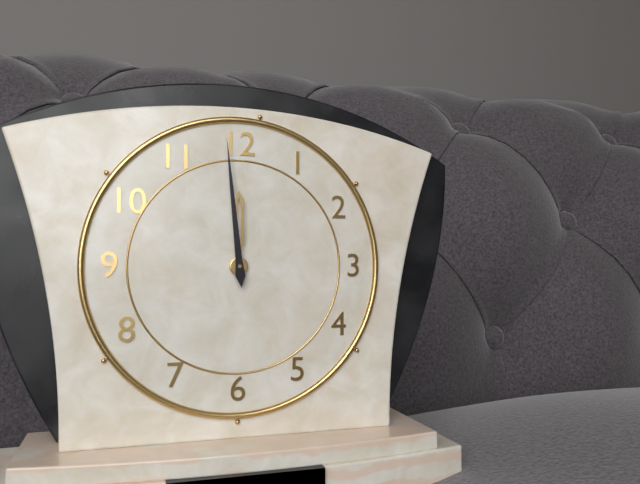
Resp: 11,59
